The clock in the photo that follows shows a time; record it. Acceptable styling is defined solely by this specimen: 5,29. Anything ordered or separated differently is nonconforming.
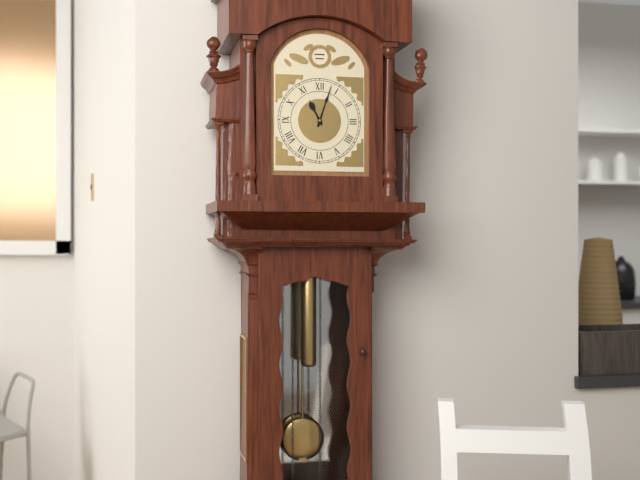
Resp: 11,03
